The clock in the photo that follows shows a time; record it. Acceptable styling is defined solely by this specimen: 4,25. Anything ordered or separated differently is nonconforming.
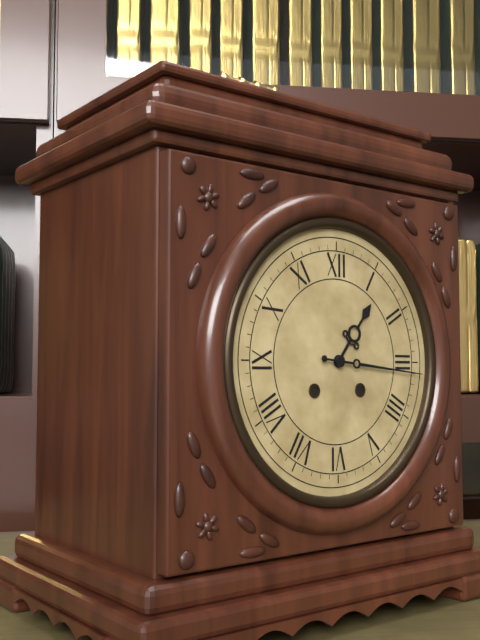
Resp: 1,16
